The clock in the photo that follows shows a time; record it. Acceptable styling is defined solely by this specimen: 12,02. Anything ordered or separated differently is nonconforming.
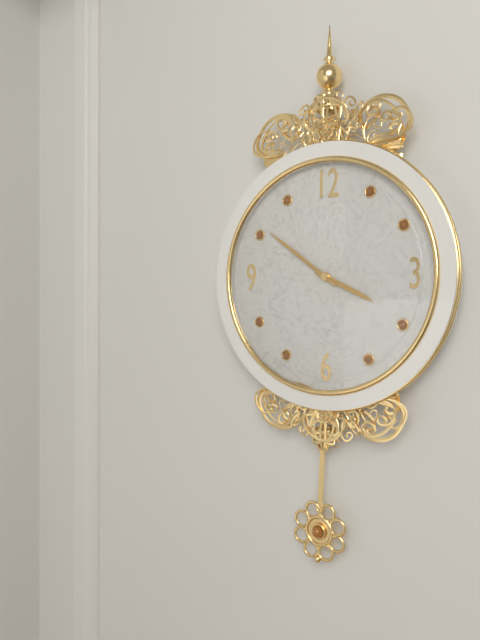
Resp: 3,51
